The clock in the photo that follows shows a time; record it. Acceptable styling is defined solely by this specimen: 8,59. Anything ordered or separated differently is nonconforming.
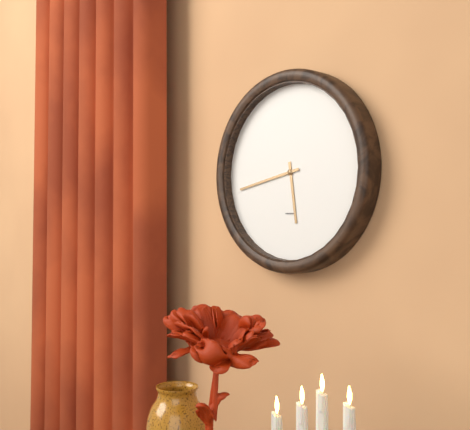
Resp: 5,43
